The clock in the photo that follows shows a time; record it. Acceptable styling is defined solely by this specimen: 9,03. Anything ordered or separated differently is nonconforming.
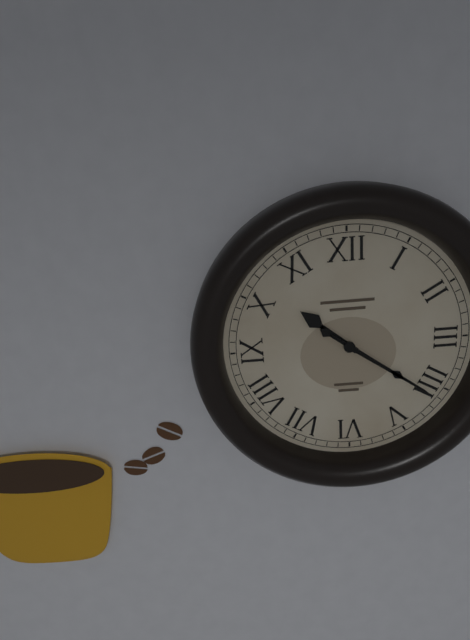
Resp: 10,21
